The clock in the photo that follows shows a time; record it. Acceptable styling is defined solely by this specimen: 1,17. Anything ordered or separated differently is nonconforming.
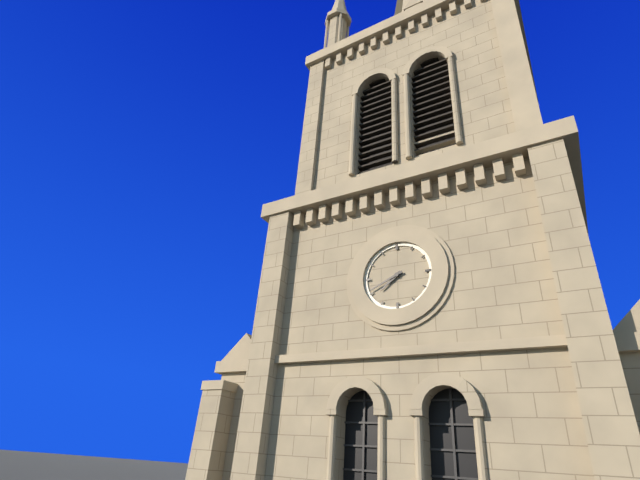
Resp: 7,41
